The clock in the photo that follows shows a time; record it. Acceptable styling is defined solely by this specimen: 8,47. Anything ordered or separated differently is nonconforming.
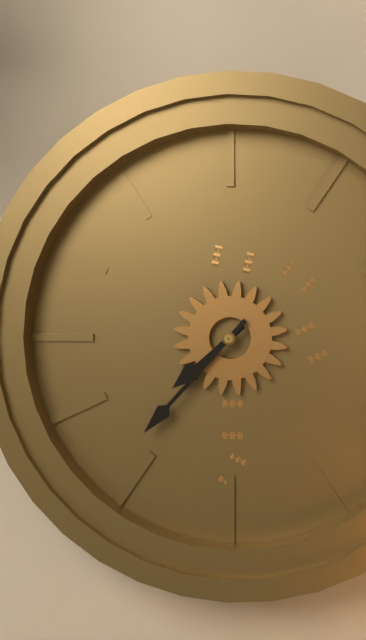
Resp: 7,37
